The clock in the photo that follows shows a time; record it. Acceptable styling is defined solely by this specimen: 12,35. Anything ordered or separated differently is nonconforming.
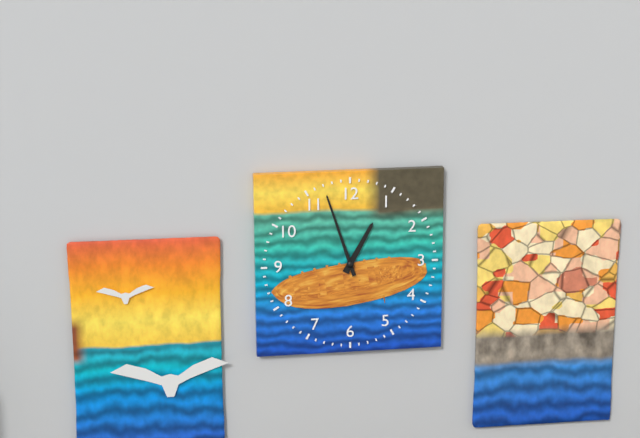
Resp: 12,57
